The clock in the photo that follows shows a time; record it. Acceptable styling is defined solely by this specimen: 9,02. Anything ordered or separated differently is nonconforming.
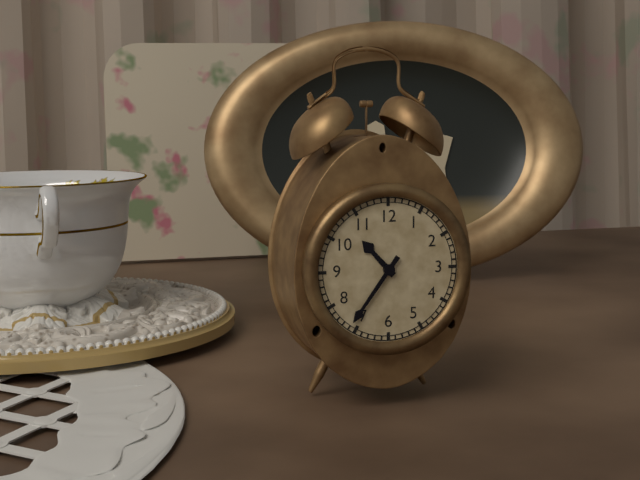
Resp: 10,36
